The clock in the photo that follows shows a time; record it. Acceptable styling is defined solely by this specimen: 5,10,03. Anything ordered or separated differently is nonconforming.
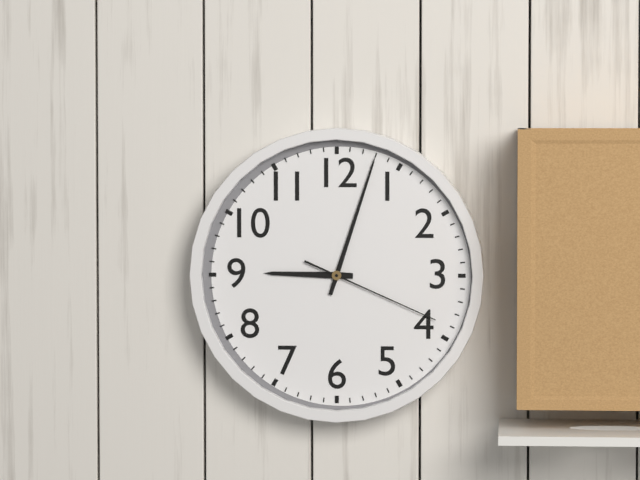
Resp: 9,03,19
